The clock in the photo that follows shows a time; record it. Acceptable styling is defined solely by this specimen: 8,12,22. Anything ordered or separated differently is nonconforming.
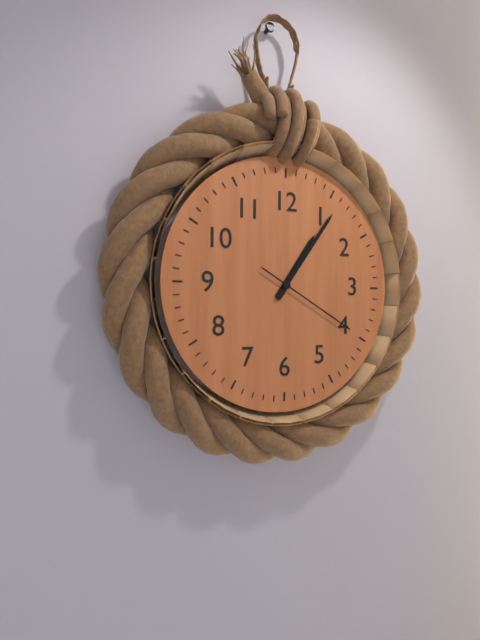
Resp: 1,06,20
